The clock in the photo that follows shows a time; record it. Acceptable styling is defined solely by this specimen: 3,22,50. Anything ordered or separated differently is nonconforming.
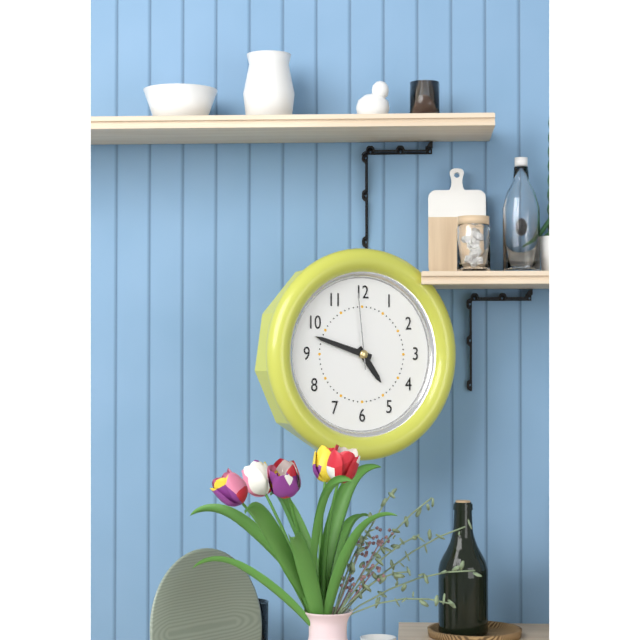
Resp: 4,48,59
